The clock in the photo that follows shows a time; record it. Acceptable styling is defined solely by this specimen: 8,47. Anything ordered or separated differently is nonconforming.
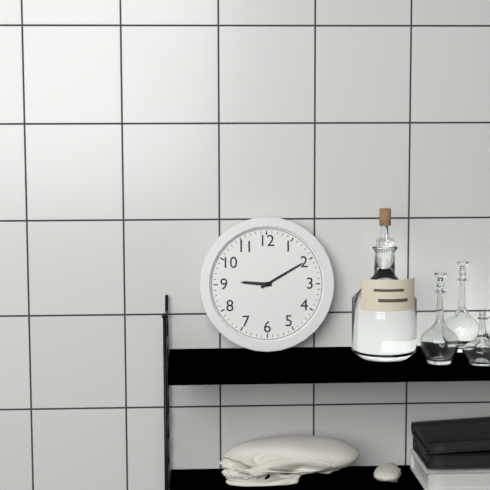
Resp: 9,10
